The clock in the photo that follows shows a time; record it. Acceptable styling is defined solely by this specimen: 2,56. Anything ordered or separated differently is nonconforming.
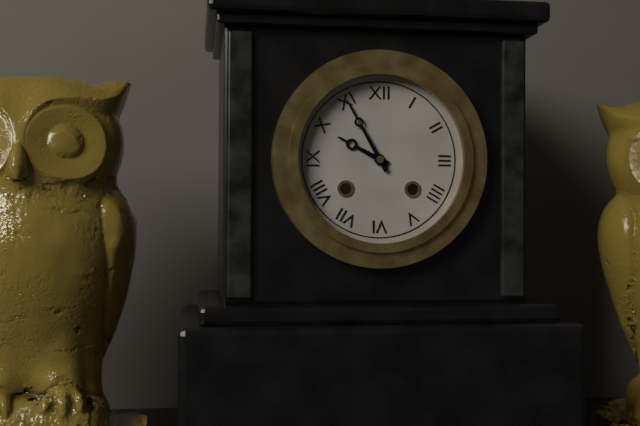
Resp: 9,55
